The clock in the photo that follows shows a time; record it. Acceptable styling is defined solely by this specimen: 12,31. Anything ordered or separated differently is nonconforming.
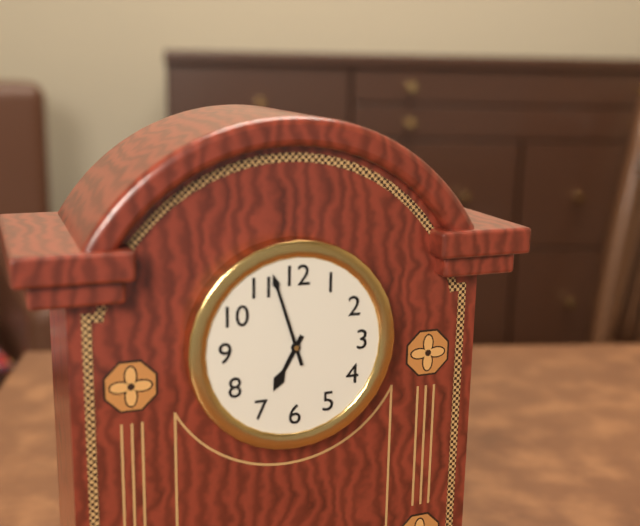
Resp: 6,57
